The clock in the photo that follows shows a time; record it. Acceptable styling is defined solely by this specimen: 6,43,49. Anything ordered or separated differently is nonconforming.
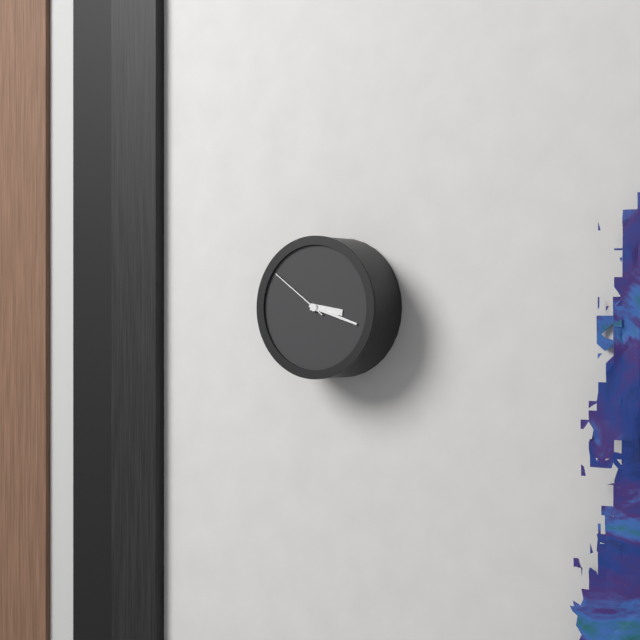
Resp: 3,18,51
